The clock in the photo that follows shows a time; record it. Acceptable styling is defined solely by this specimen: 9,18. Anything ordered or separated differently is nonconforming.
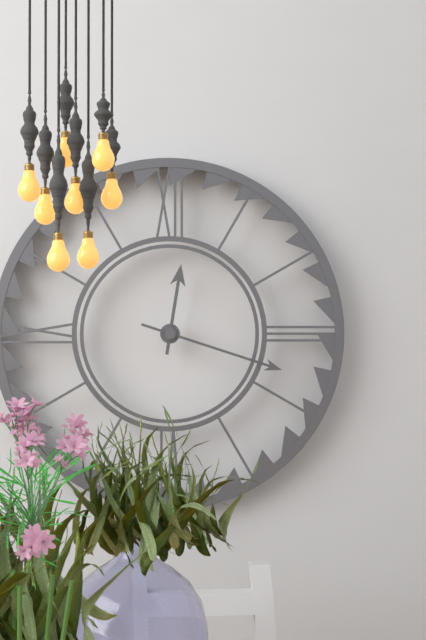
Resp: 12,18
